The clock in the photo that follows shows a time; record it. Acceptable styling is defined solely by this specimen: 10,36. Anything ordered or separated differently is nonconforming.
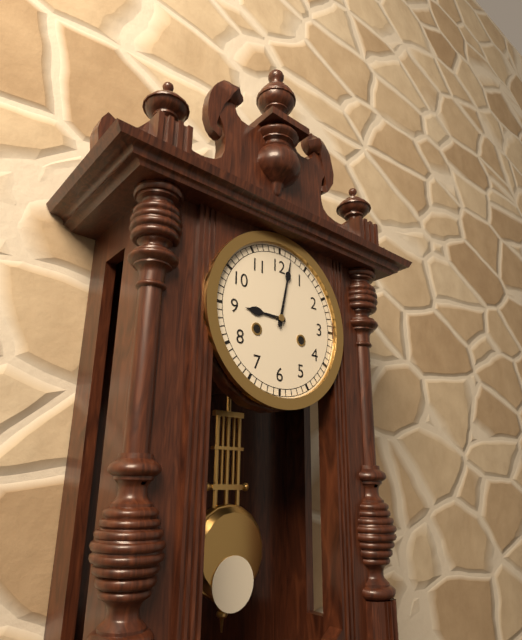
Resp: 9,02
